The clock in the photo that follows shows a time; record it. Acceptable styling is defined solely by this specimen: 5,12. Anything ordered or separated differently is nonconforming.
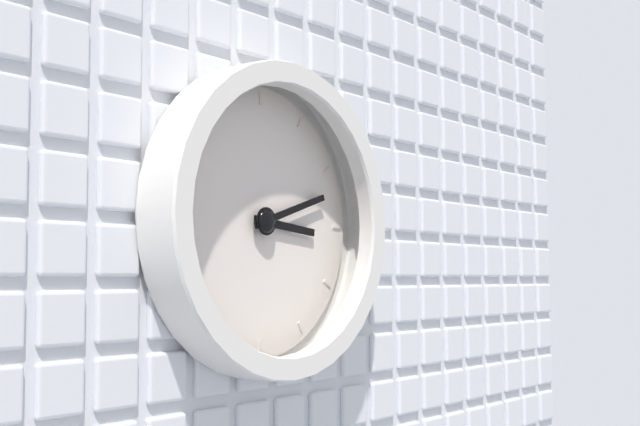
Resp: 3,12
